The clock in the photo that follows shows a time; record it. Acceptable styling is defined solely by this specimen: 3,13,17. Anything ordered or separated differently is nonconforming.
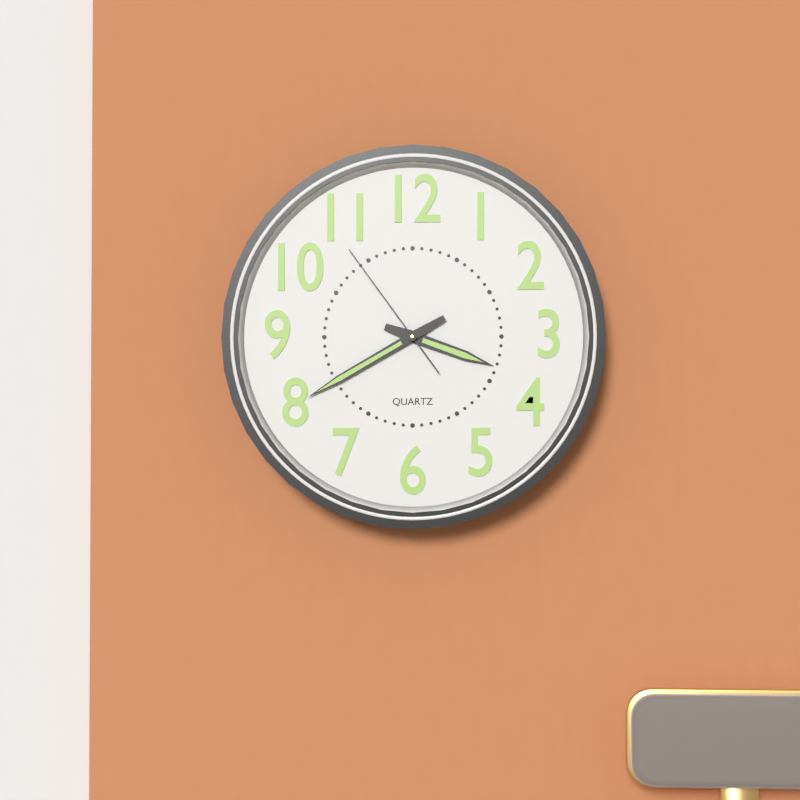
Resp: 3,40,54
